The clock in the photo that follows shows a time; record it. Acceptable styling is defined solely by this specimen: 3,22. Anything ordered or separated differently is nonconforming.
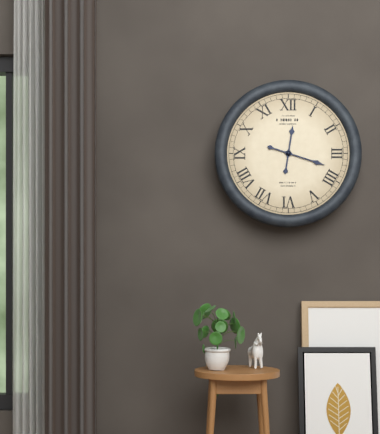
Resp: 12,18
